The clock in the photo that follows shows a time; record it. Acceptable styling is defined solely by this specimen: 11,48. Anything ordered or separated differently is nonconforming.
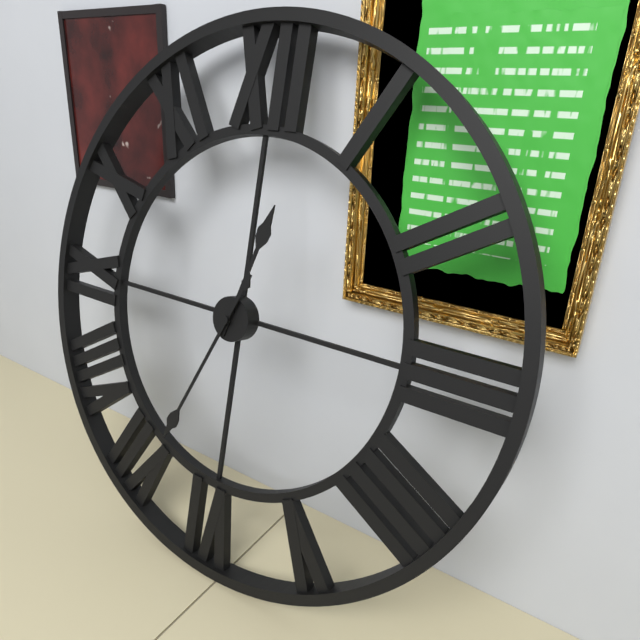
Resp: 12,34
